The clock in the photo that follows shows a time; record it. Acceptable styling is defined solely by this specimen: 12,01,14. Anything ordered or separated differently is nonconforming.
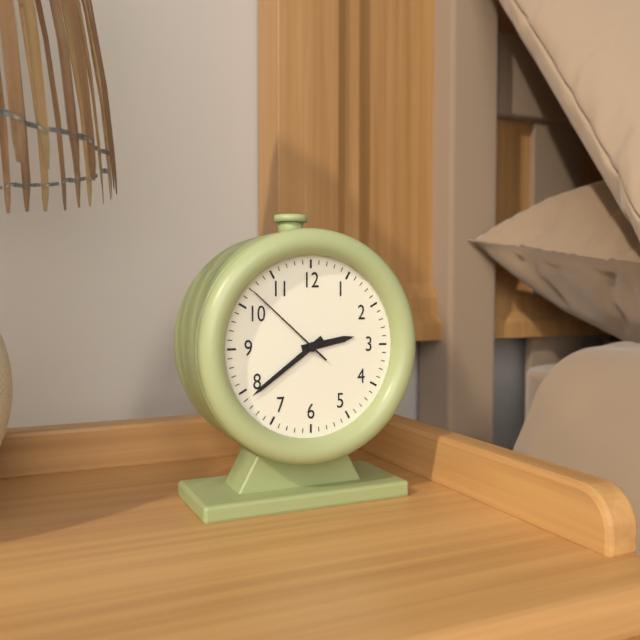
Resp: 2,39,52
